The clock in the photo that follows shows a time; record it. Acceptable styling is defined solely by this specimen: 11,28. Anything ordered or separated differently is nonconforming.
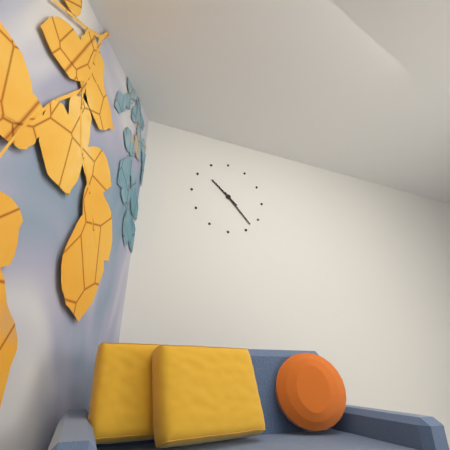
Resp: 10,23
